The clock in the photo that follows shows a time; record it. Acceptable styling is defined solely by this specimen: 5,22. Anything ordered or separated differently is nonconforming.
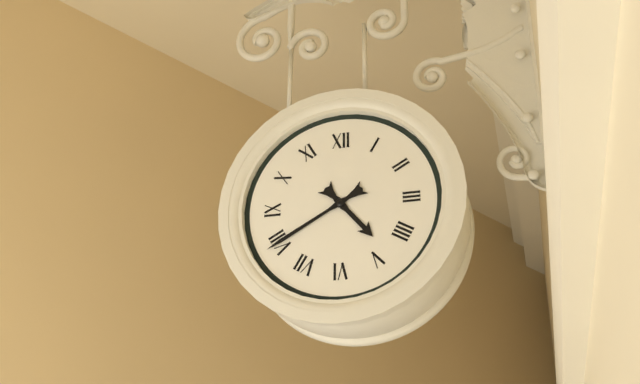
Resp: 4,40
